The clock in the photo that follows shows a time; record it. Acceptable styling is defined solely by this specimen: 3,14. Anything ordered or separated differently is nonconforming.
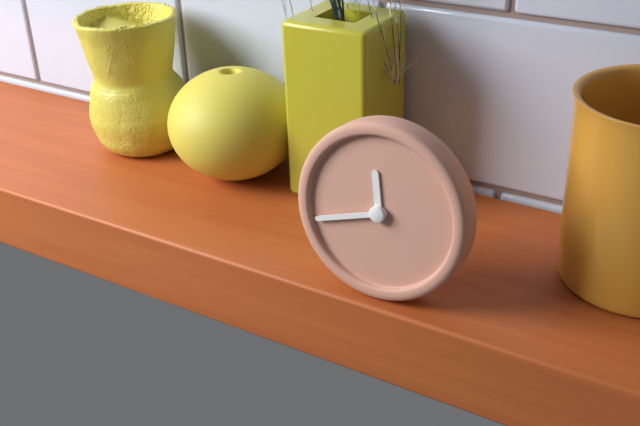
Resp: 11,42
